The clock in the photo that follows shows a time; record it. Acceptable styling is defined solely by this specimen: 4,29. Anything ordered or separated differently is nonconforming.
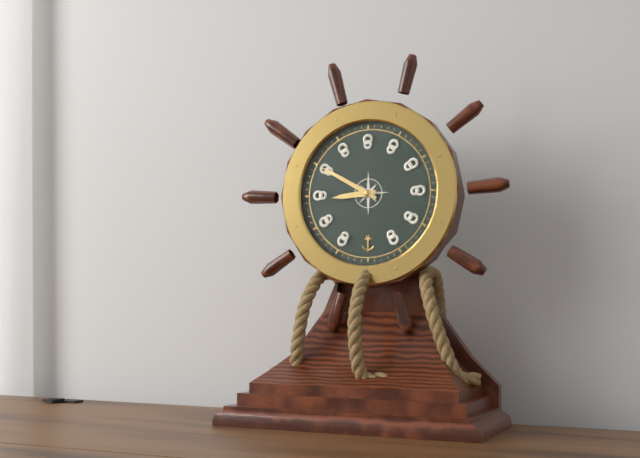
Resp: 8,50
